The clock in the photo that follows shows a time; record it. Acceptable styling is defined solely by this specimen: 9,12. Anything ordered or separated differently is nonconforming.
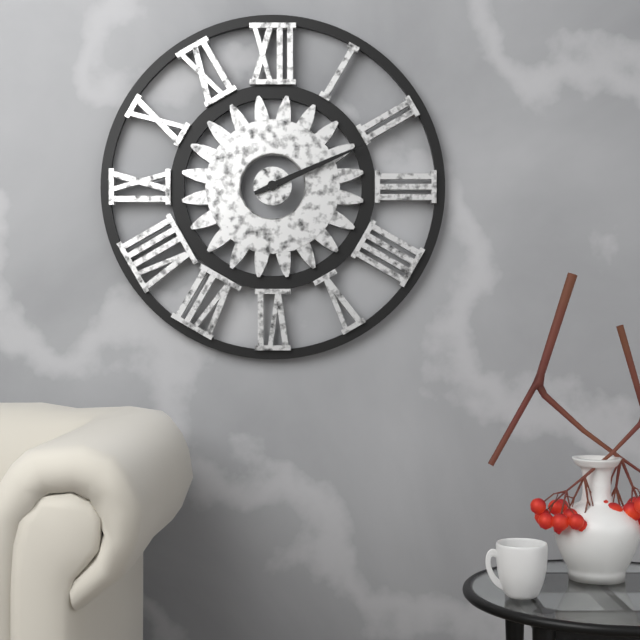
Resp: 2,11
